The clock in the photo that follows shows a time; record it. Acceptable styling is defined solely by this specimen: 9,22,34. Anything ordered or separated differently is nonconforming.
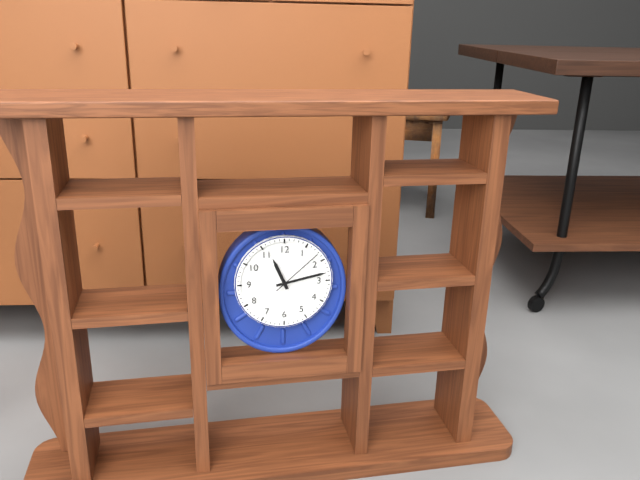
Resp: 11,13,08
